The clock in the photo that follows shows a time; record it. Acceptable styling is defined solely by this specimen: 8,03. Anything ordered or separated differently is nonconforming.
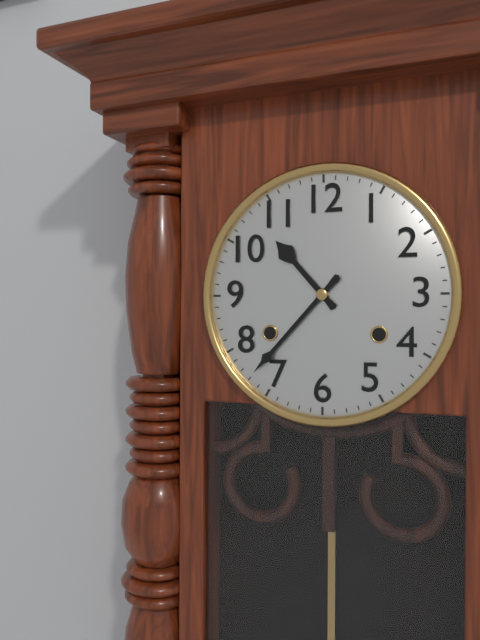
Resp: 10,37
